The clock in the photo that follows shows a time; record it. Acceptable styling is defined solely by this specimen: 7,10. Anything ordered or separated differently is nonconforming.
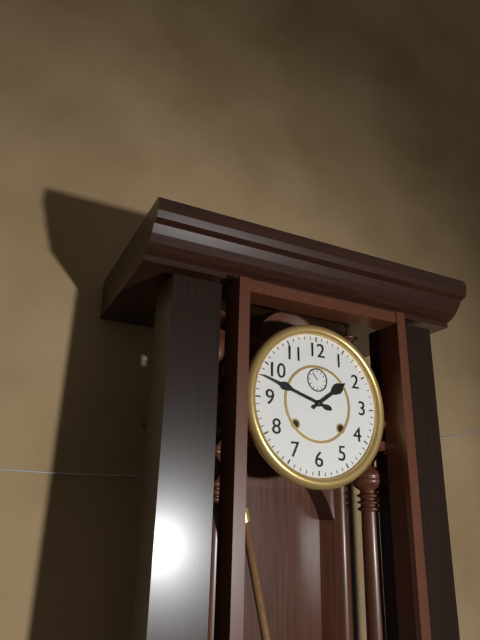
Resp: 1,48
